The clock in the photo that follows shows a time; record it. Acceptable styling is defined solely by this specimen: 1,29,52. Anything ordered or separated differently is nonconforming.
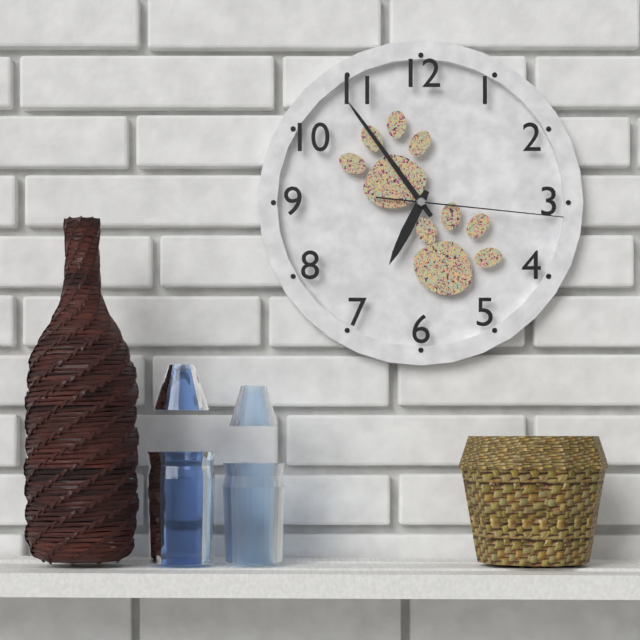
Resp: 6,54,16
